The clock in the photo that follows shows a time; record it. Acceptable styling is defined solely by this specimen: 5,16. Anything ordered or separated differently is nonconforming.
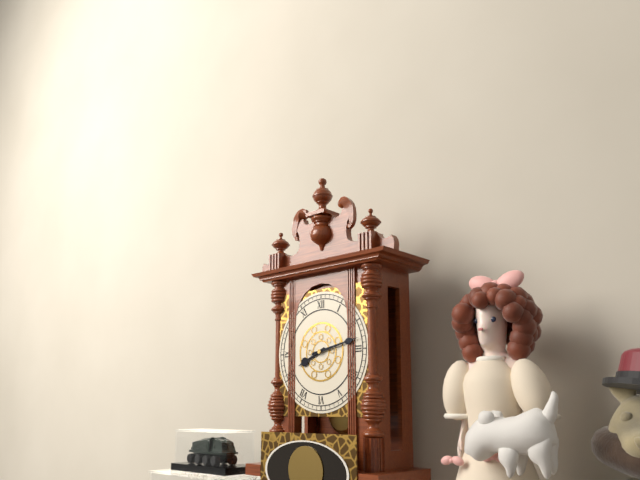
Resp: 8,13
